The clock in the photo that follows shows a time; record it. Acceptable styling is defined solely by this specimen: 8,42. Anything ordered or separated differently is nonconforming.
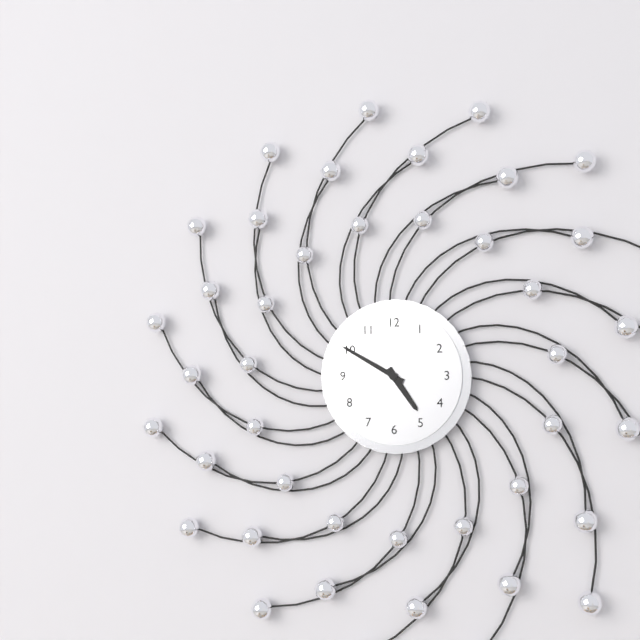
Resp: 4,50
